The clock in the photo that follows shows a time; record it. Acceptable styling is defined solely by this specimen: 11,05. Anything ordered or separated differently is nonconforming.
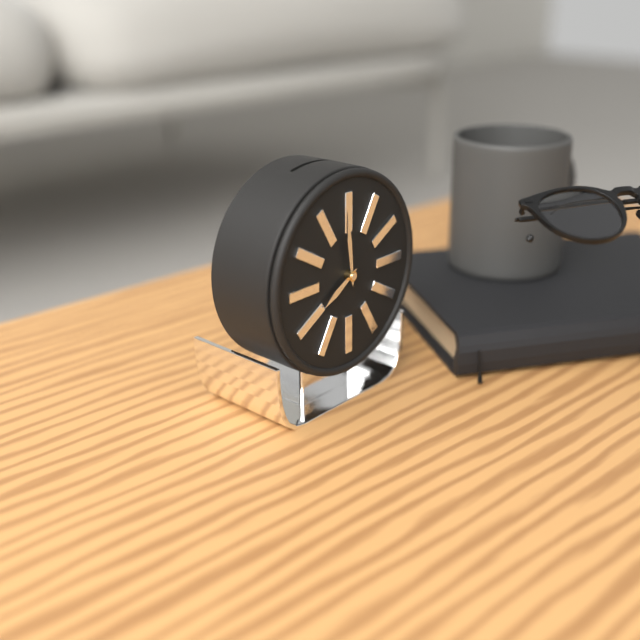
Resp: 7,59
